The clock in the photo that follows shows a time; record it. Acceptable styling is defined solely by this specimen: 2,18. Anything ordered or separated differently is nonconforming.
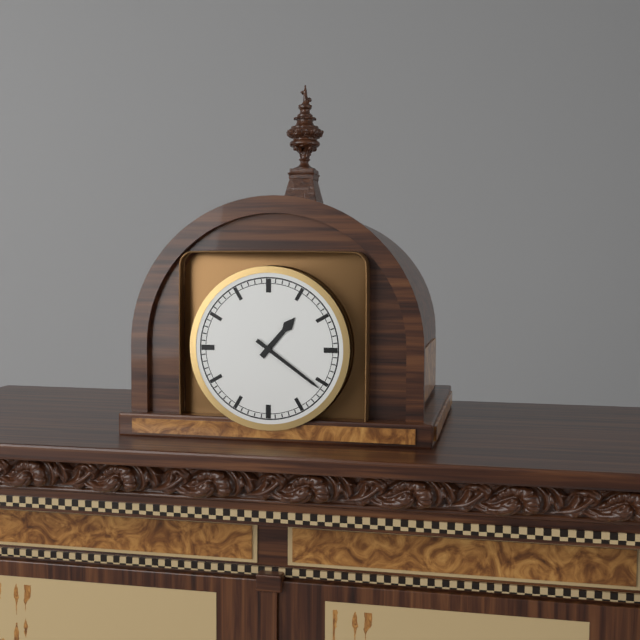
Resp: 1,21
